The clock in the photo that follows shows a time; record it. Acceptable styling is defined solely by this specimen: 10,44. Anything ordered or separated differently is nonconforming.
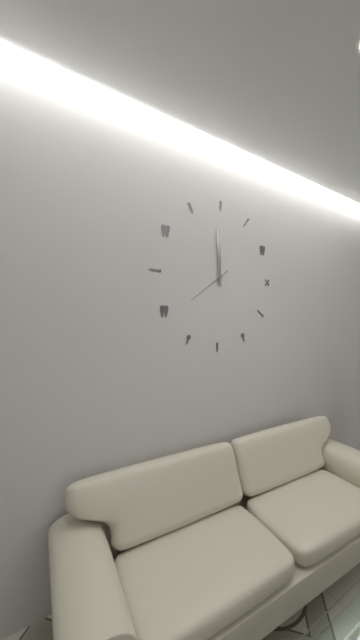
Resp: 11,59
